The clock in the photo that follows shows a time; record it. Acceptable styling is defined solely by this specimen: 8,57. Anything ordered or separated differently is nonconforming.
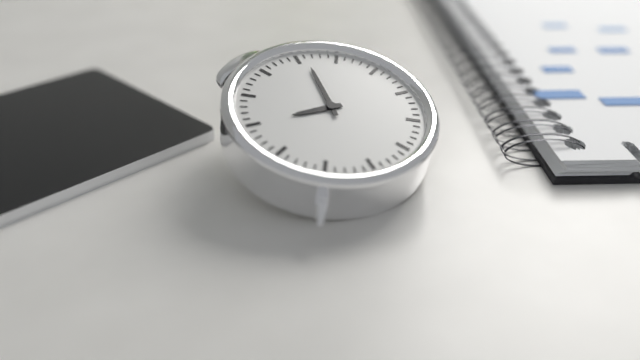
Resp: 9,01
